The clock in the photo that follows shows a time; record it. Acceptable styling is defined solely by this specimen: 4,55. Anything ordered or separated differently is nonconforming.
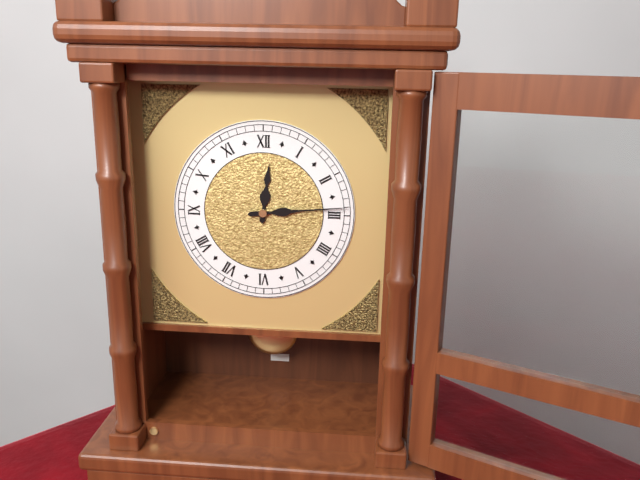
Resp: 12,14
